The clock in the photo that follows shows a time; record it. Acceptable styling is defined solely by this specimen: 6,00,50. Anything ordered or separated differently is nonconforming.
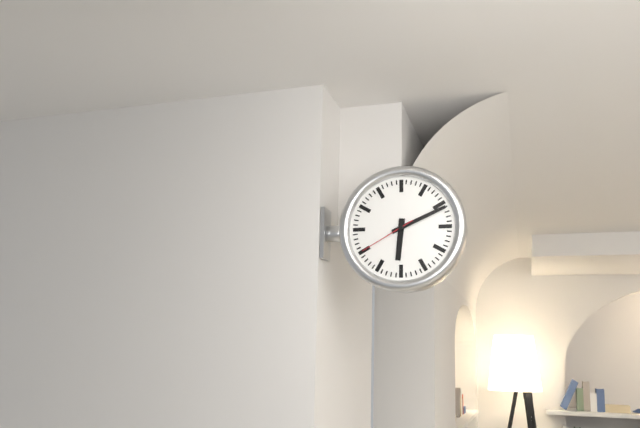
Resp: 6,11,40
